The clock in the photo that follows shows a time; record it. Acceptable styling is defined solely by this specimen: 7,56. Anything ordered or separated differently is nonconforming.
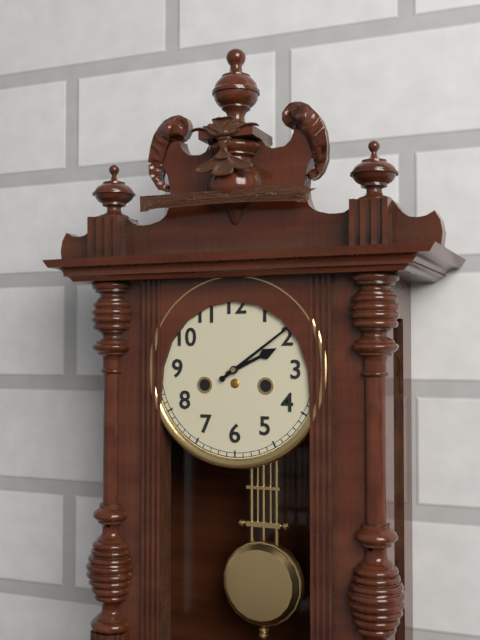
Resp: 2,09
